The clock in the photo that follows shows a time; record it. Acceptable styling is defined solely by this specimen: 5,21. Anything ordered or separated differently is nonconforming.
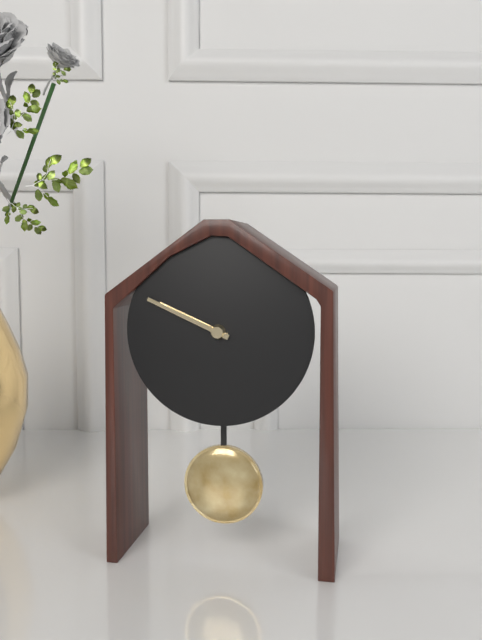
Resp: 9,49
